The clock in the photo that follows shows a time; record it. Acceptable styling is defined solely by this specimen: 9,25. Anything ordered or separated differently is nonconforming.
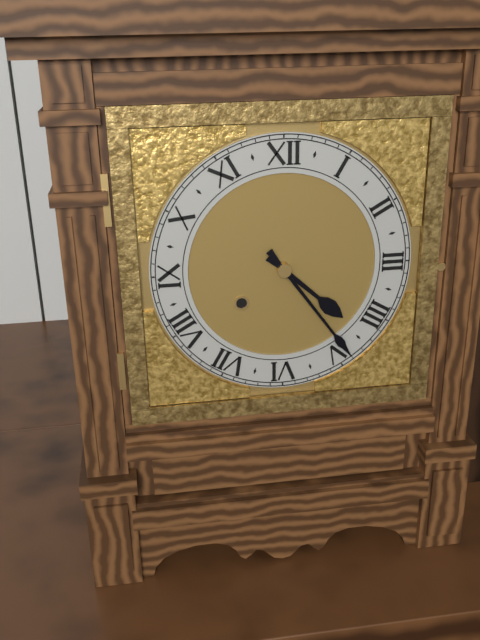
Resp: 4,24
